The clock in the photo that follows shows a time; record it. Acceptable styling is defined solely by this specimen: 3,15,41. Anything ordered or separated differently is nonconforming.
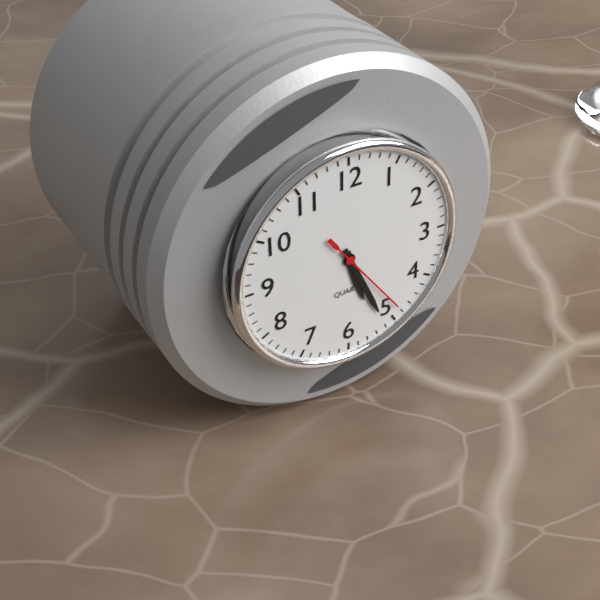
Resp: 5,26,24
